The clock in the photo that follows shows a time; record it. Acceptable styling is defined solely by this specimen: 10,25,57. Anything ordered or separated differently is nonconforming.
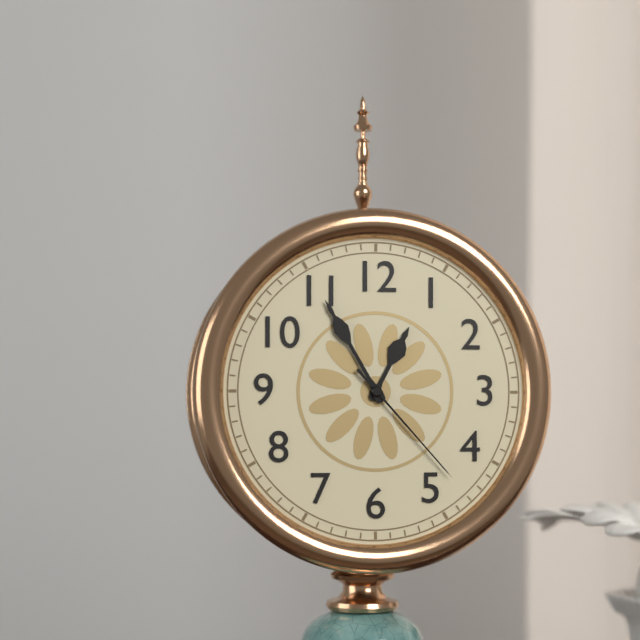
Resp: 12,55,23
